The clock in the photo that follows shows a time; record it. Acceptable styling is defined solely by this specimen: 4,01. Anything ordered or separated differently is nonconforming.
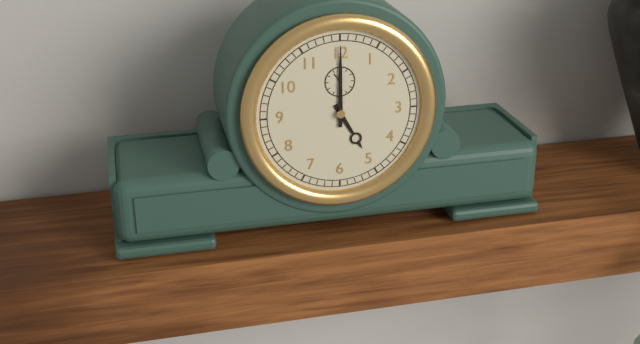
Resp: 5,00
